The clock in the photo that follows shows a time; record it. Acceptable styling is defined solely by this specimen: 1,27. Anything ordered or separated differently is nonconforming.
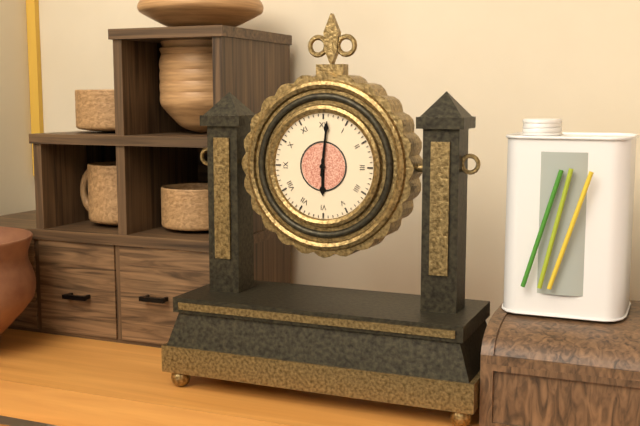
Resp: 6,01
